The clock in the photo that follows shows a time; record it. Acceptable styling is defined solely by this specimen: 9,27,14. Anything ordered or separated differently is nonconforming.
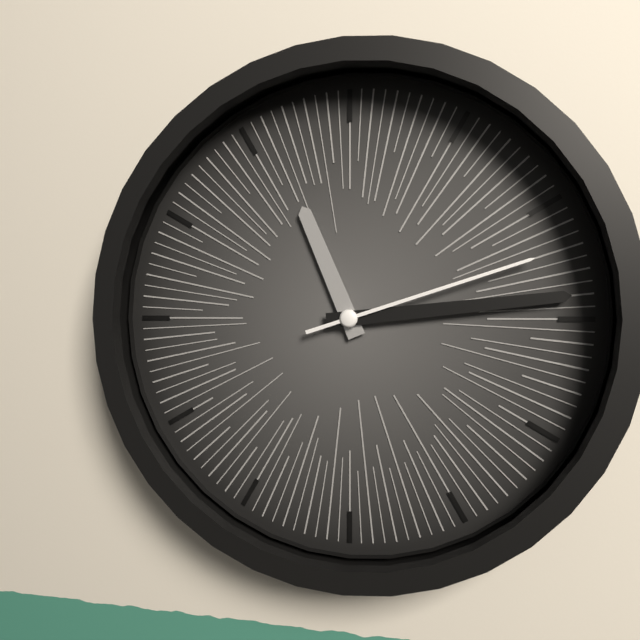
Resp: 11,14,12
